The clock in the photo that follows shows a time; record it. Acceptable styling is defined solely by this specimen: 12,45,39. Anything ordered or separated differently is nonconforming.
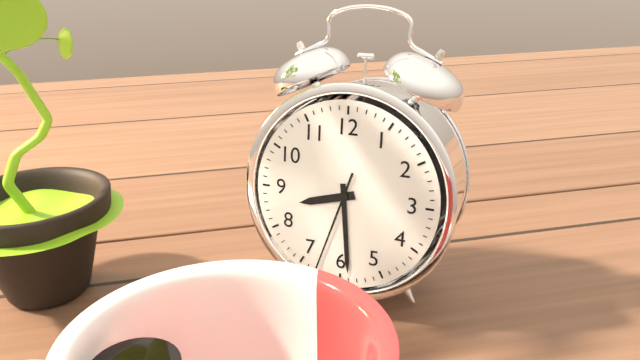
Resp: 8,29,33
